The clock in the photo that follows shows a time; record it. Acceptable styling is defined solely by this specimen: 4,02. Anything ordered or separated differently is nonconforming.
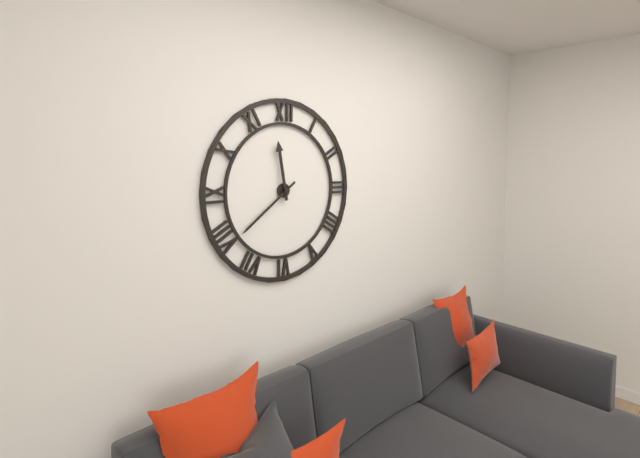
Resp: 11,39
